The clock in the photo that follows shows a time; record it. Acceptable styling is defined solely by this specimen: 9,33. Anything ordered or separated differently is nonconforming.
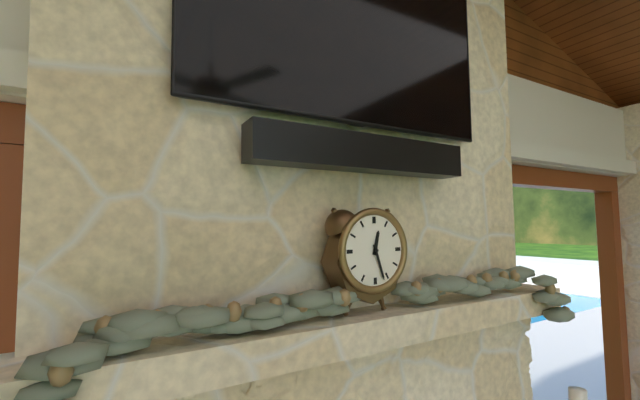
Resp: 12,27
